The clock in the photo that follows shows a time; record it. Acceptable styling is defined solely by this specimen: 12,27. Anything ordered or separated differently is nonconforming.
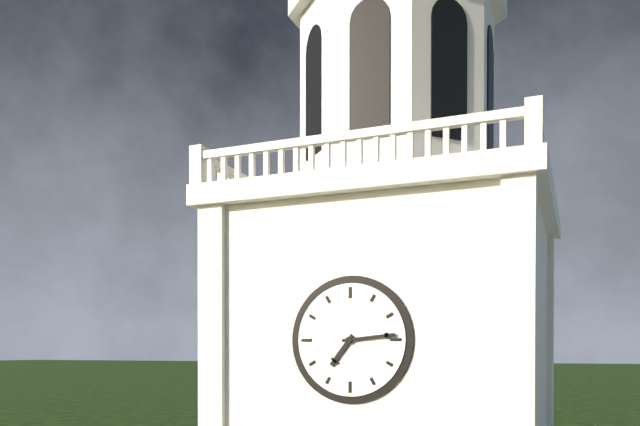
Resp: 7,14
